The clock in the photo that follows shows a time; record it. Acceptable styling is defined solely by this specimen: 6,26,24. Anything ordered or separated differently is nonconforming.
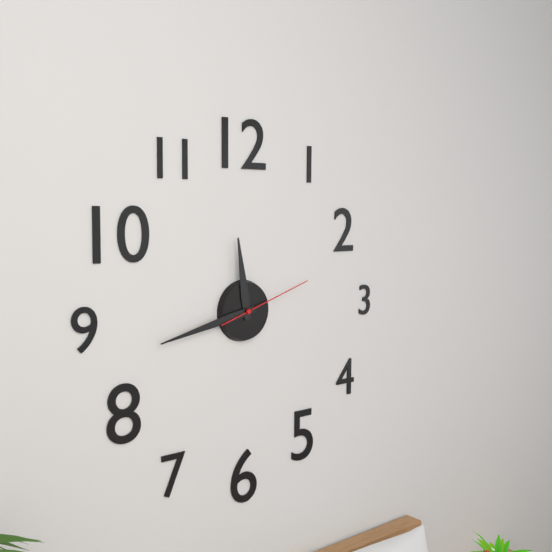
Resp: 11,43,12
